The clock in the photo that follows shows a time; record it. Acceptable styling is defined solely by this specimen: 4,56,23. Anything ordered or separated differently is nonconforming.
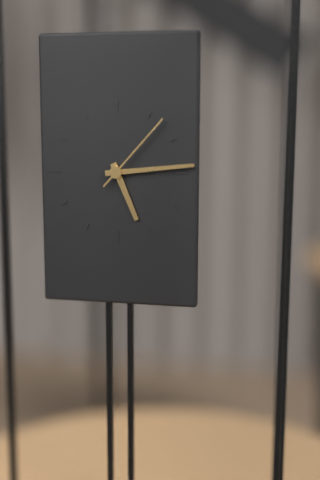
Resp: 5,14,07
